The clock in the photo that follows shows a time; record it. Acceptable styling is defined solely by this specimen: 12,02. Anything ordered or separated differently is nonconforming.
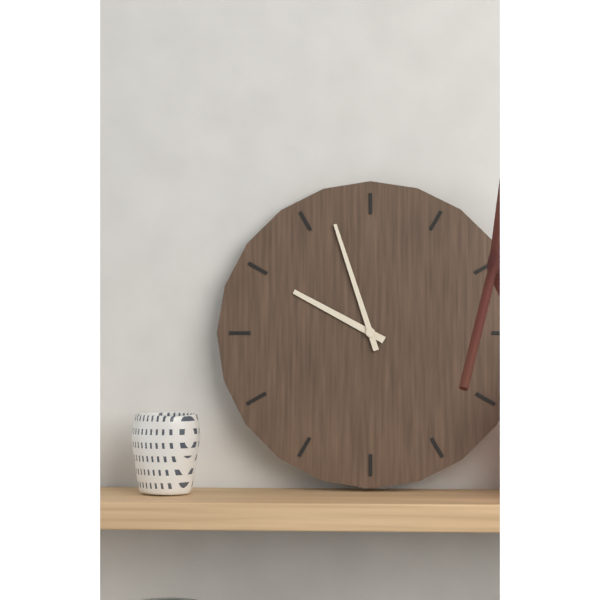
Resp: 9,57
